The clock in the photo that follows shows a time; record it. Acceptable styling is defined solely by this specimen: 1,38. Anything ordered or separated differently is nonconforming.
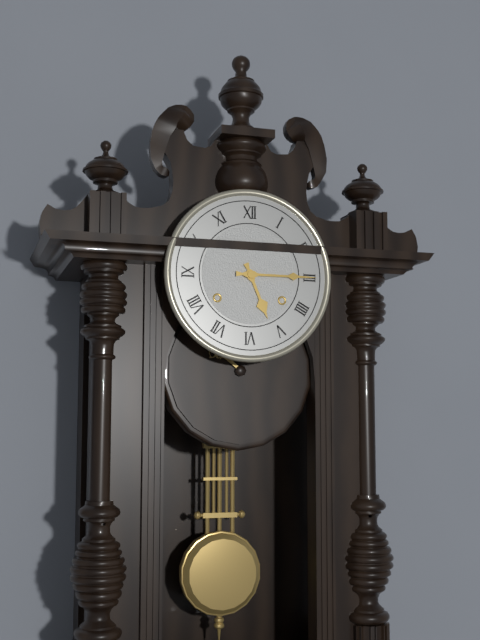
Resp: 5,15
